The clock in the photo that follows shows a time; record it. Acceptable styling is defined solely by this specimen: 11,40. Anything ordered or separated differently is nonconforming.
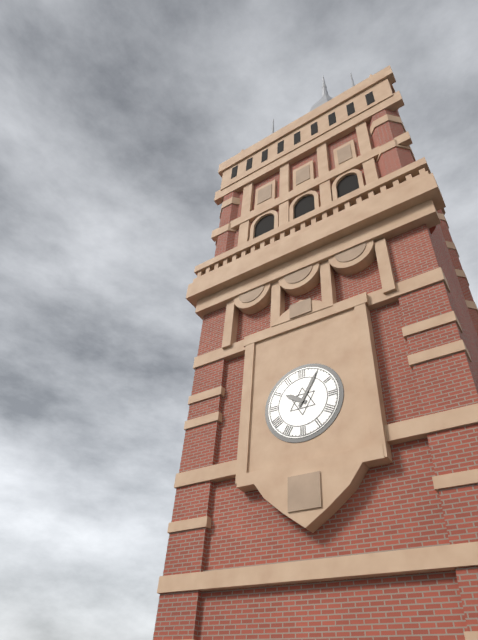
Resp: 10,05
